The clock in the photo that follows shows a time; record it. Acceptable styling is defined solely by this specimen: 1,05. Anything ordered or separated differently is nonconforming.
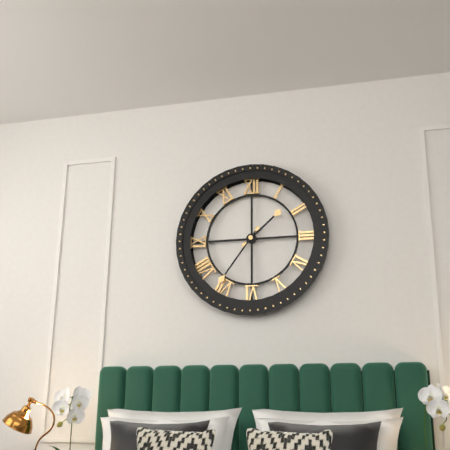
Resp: 1,36
